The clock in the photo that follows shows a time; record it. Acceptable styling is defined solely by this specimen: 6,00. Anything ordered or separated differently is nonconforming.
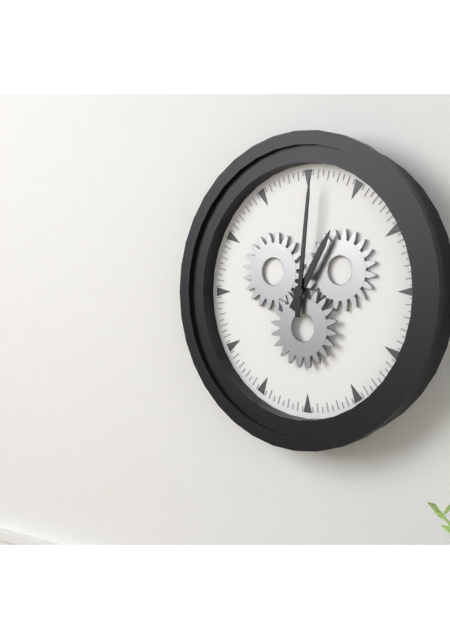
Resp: 1,01
